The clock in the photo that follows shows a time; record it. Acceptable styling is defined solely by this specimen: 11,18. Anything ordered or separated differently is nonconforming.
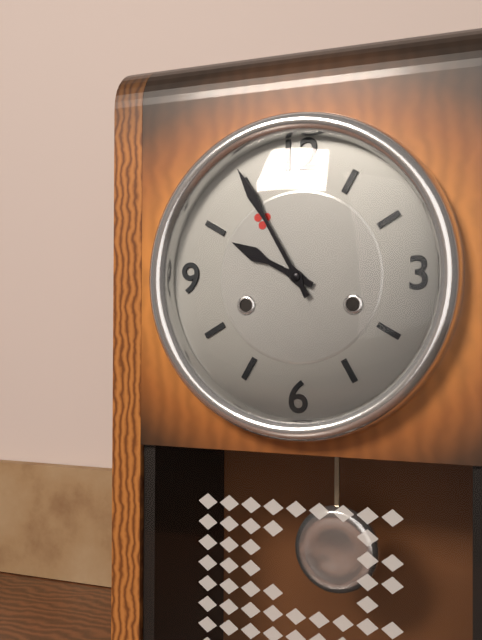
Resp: 9,55
